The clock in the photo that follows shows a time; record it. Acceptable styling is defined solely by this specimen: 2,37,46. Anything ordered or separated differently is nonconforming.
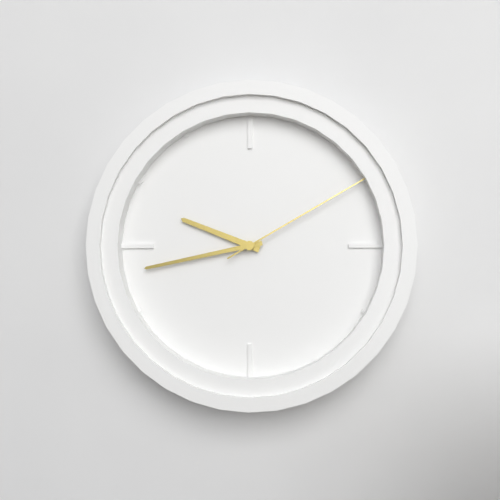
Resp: 9,43,10
